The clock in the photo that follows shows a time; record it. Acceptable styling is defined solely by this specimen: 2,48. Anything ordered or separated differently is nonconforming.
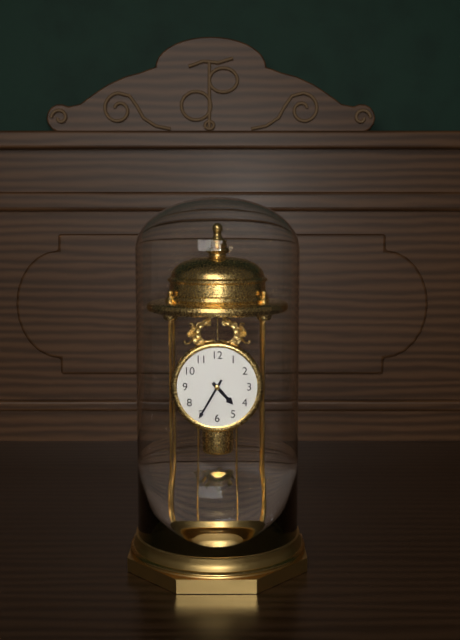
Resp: 4,35
